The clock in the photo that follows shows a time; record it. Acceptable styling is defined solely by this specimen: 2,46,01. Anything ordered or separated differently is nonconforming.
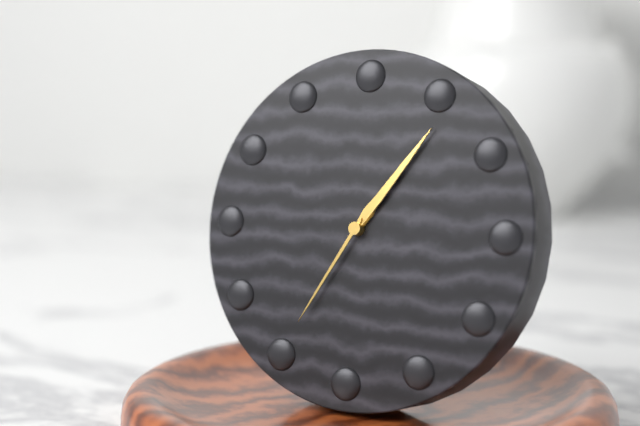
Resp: 1,06,35
